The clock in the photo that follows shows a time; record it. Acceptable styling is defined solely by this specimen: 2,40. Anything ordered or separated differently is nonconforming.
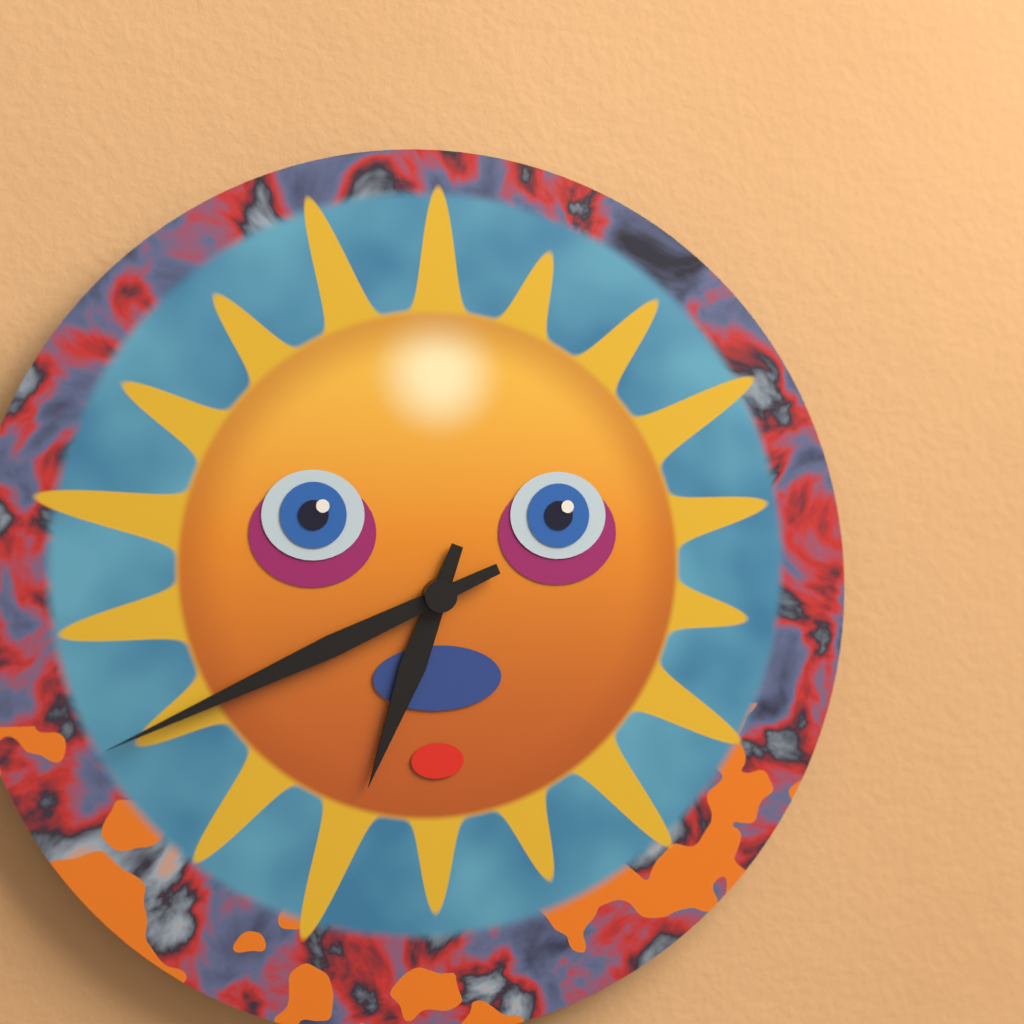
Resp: 6,41
